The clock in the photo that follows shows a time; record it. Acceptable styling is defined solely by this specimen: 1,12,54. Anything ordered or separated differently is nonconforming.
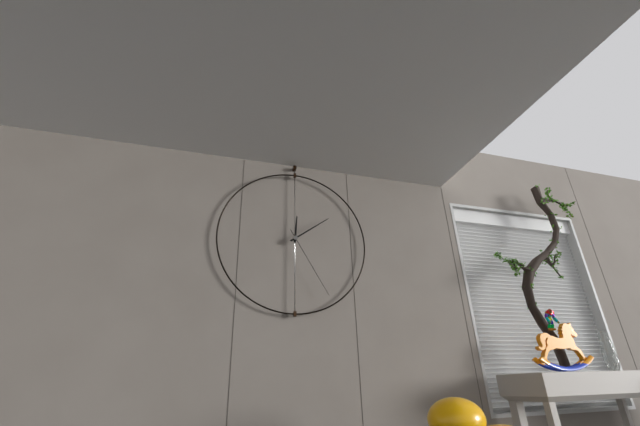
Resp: 12,09,25
